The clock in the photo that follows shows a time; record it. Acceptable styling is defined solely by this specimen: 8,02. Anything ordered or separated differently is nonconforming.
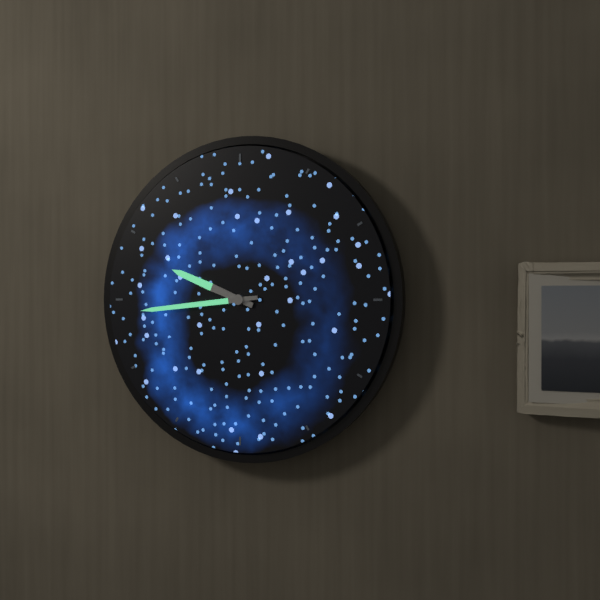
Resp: 9,44
